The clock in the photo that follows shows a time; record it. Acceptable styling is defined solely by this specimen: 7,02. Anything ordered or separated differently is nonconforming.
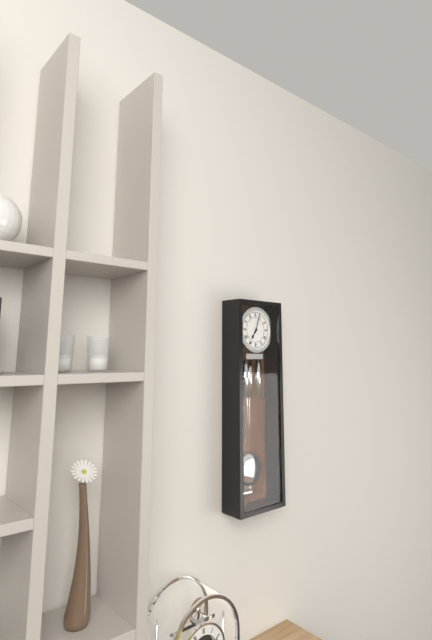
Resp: 7,03
